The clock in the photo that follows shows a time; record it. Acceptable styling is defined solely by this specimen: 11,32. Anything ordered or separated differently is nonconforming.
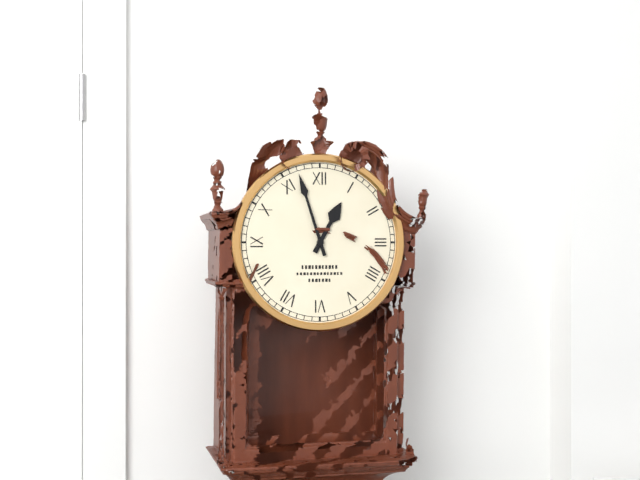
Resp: 12,57
